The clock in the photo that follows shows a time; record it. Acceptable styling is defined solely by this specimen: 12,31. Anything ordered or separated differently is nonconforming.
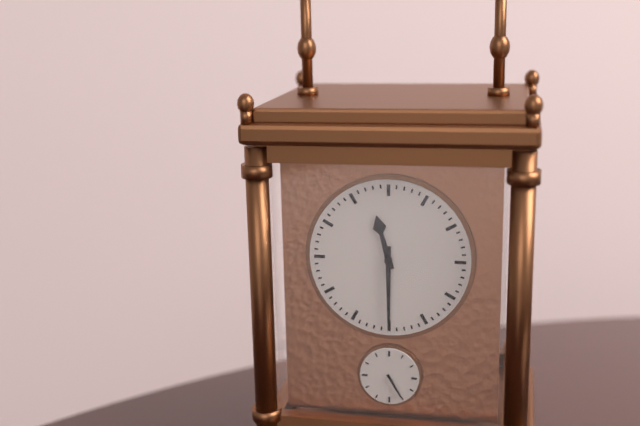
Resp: 11,30
